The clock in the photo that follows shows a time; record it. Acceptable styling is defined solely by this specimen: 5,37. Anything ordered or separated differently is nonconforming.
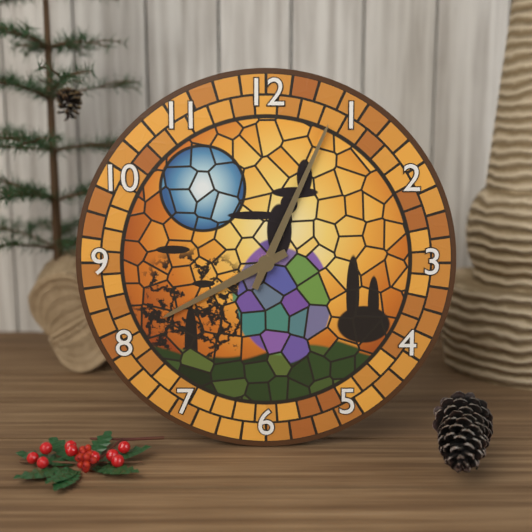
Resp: 8,04
